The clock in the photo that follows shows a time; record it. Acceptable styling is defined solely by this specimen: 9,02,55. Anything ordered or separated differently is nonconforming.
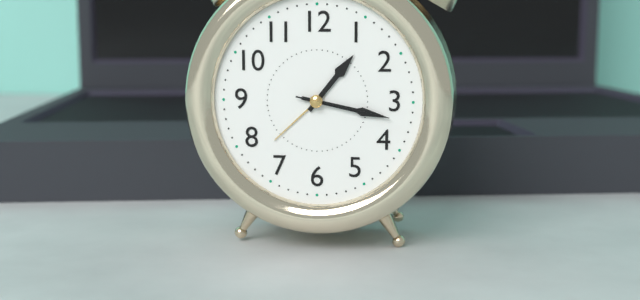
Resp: 1,17,17
